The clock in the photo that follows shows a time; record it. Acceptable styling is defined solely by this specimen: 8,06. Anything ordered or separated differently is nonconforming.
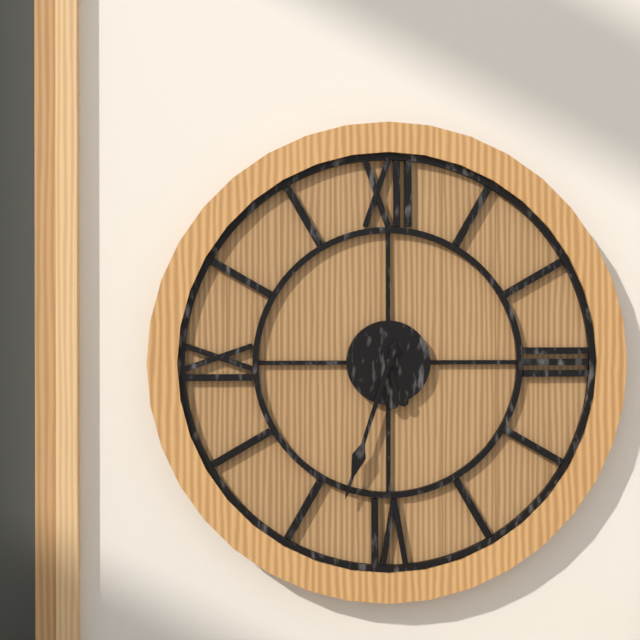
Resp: 5,33
